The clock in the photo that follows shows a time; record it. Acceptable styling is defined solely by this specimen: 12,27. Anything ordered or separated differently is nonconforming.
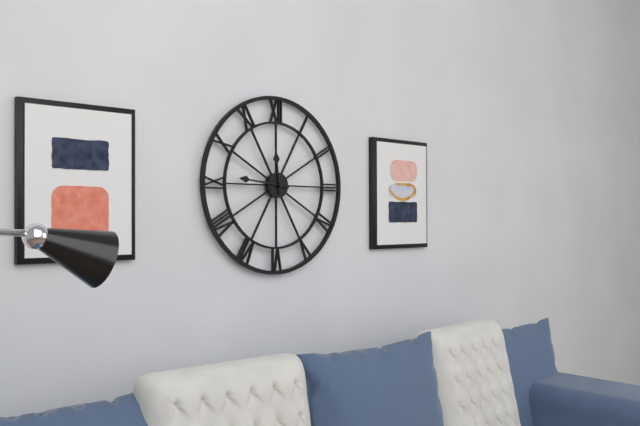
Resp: 11,46
